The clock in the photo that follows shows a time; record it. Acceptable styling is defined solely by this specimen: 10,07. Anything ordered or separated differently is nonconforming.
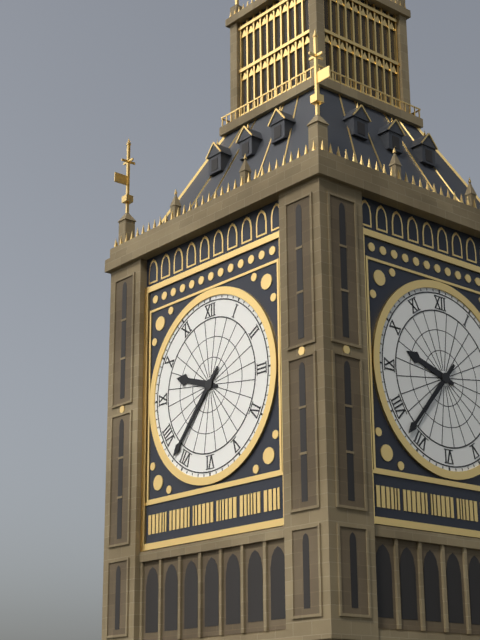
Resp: 9,37
